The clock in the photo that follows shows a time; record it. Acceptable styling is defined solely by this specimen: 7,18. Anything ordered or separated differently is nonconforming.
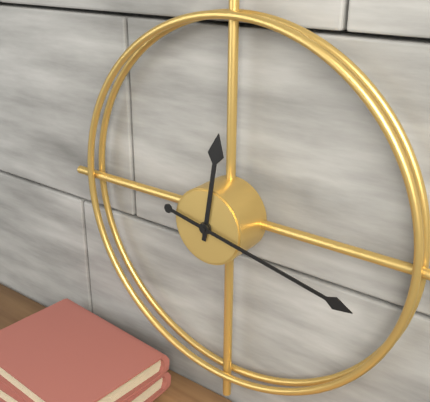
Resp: 12,17
